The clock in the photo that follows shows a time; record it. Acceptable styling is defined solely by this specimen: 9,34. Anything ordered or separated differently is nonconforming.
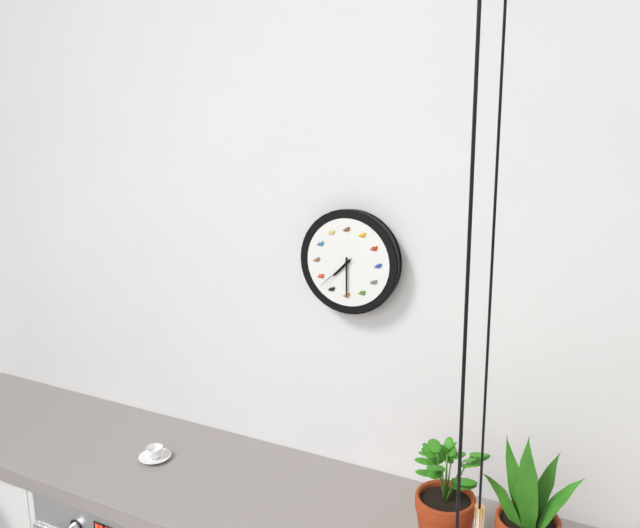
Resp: 7,30
